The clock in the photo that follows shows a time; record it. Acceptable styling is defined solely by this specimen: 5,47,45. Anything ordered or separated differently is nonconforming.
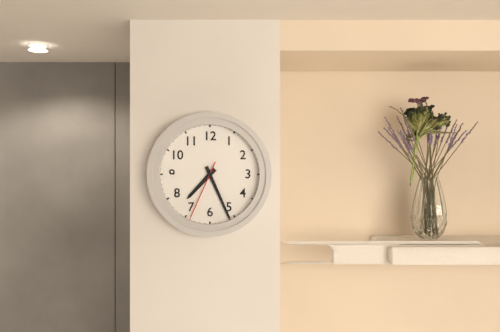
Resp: 7,26,34
